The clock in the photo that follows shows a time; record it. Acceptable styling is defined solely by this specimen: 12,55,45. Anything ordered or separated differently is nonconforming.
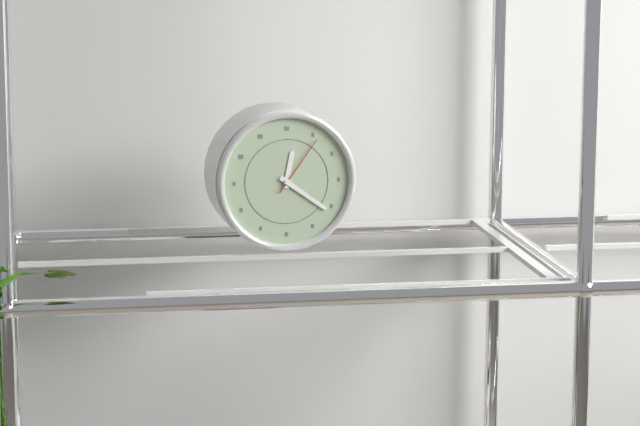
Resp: 12,21,06
